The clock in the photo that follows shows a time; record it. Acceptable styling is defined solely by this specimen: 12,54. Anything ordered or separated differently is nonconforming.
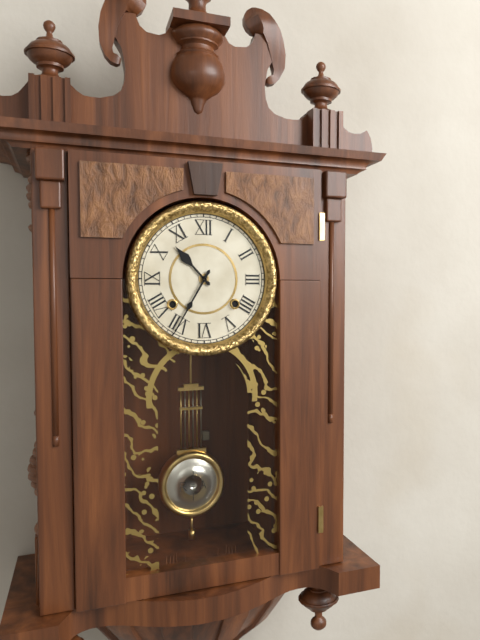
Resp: 10,35
